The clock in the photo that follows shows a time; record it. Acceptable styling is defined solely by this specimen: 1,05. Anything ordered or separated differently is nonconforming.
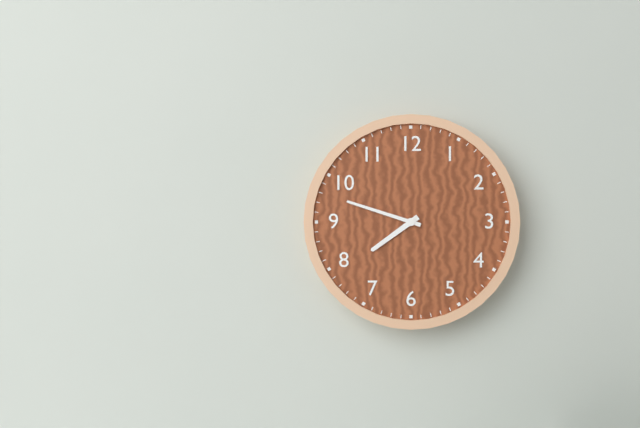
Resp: 7,48
